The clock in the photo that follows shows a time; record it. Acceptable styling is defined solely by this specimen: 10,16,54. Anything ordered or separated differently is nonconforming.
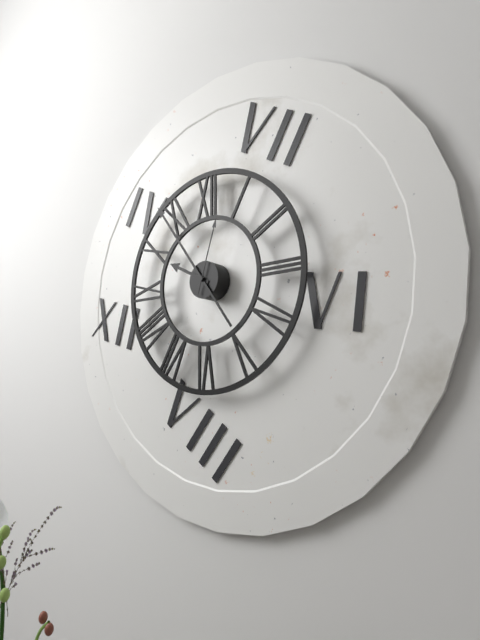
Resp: 9,54,03
